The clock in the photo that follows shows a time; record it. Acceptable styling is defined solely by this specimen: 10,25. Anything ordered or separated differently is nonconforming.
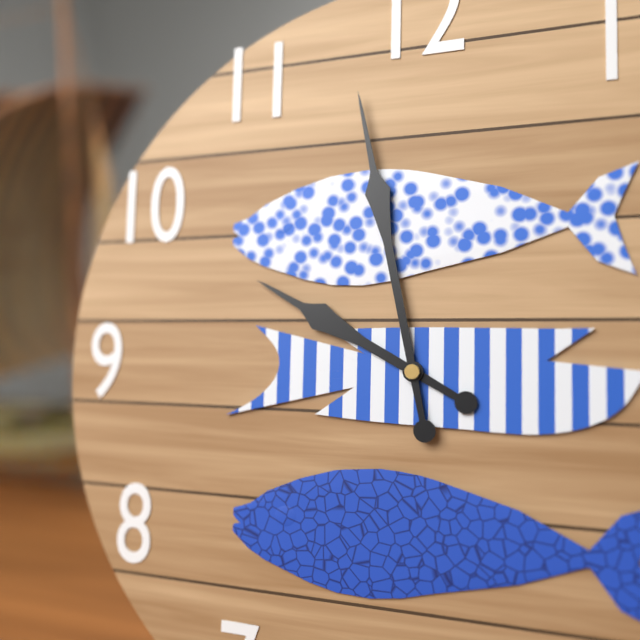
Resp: 9,58
